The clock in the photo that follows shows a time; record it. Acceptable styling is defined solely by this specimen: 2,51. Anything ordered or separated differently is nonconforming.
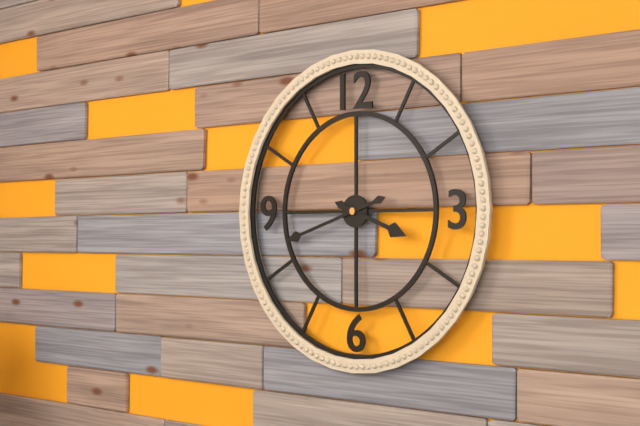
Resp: 3,42
